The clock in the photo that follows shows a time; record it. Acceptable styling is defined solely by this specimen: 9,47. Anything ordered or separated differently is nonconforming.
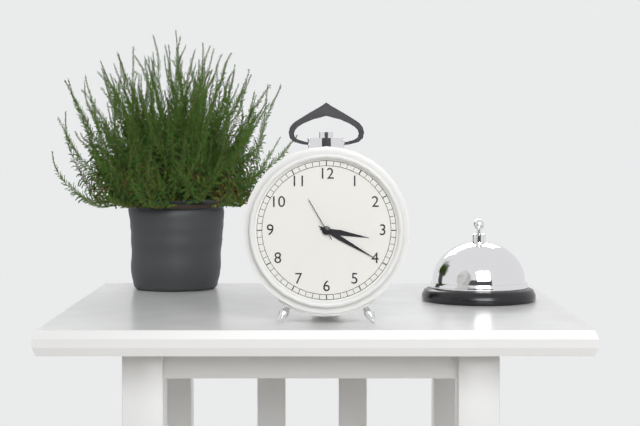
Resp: 3,20
